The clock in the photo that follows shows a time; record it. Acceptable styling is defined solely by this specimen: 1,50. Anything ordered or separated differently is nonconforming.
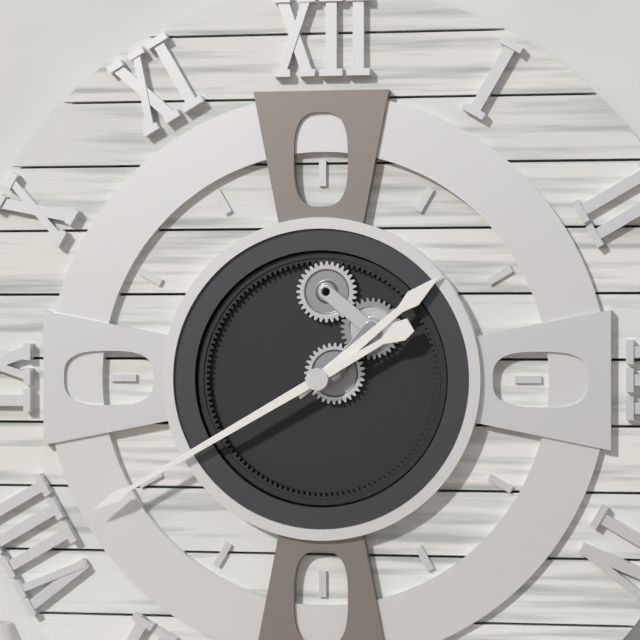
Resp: 1,40
